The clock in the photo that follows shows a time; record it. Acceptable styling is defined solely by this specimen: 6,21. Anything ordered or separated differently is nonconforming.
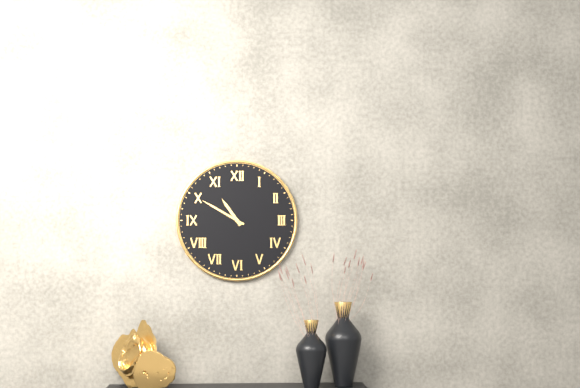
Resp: 10,50
